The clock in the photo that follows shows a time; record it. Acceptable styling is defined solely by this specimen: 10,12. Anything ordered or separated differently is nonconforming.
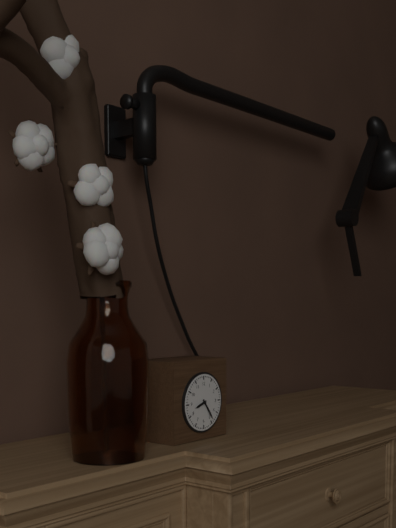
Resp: 8,24
